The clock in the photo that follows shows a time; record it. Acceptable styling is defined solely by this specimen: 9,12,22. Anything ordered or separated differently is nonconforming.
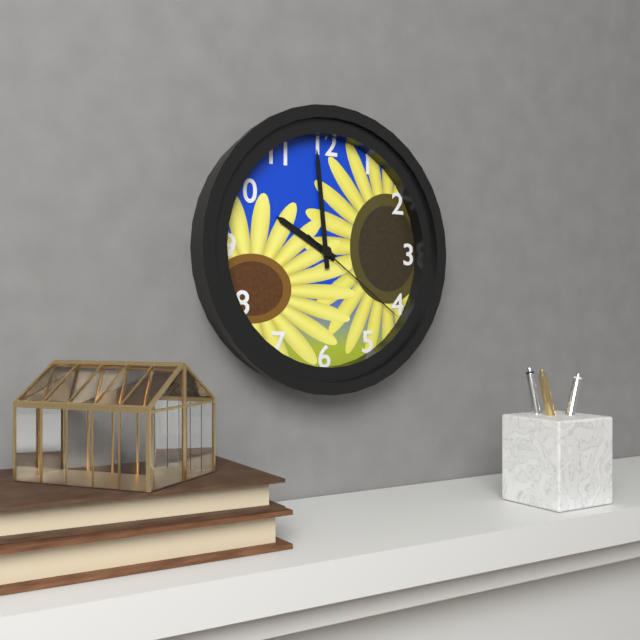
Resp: 9,59,21
